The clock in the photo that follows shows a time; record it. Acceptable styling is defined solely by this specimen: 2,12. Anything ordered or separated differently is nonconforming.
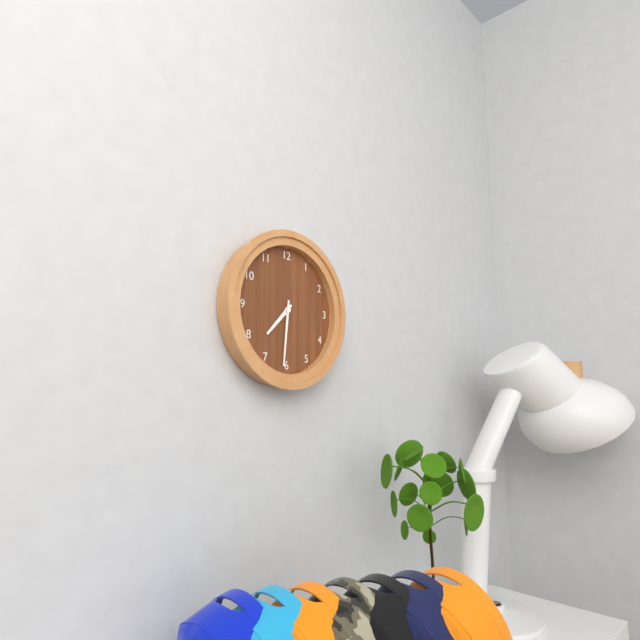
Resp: 7,31
